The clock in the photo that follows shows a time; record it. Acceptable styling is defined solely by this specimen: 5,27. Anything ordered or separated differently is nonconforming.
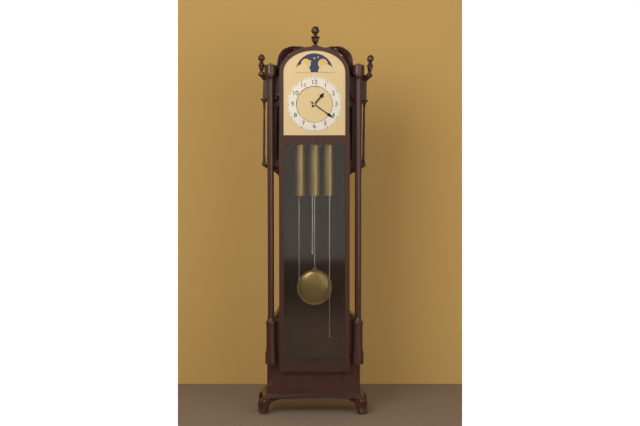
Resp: 1,21
